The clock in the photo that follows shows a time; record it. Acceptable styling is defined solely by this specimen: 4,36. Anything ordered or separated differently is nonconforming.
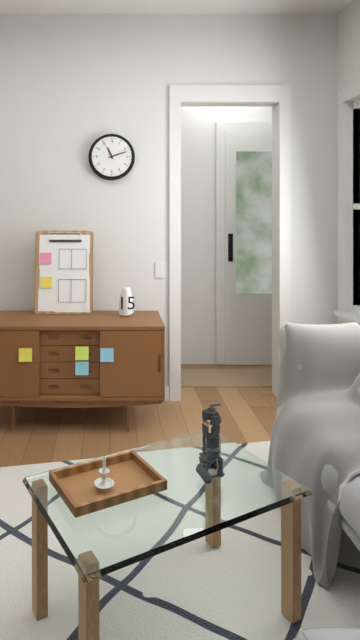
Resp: 11,12
